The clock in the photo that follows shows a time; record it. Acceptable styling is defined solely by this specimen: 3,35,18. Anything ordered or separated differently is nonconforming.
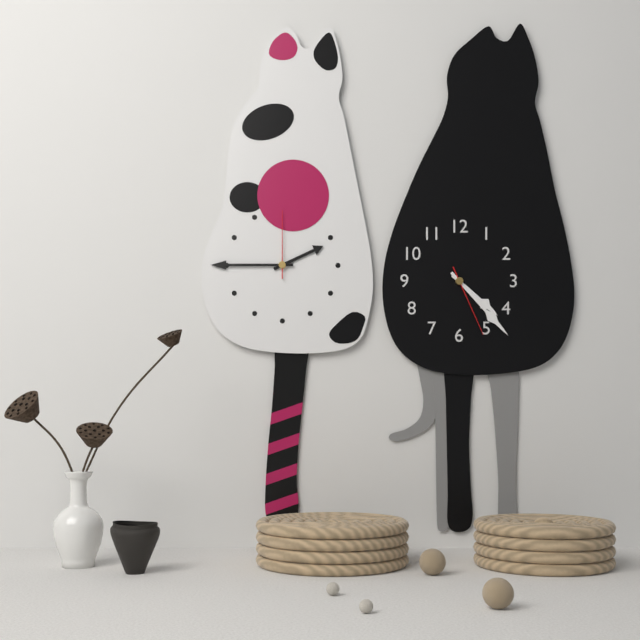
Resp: 4,23,26
